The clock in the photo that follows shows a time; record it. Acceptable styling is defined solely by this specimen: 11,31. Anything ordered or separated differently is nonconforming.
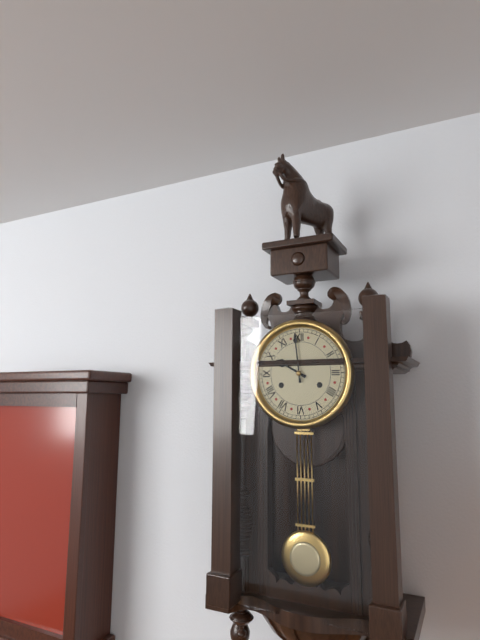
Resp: 9,59
